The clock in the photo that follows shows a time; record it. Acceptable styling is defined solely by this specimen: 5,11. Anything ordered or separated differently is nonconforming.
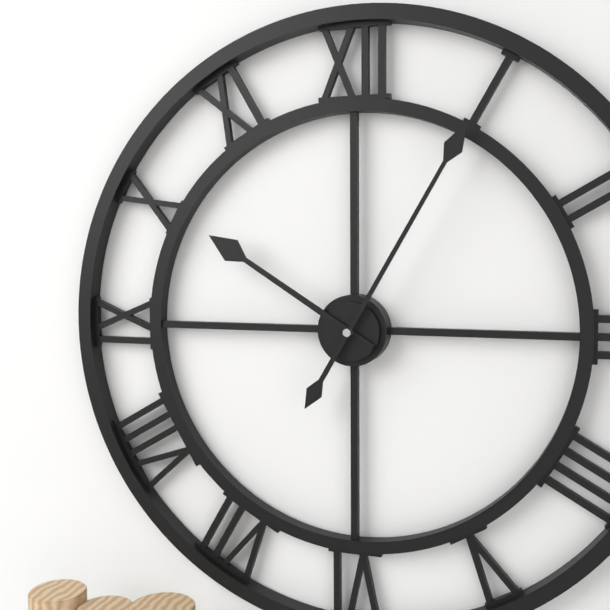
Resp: 10,05
